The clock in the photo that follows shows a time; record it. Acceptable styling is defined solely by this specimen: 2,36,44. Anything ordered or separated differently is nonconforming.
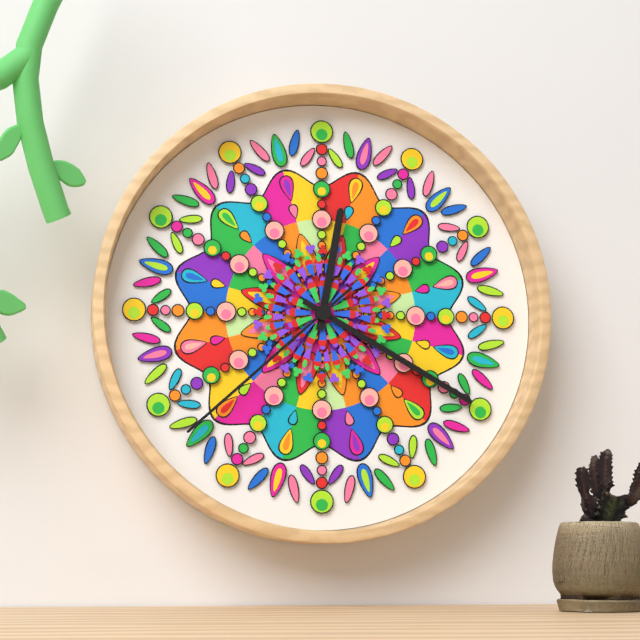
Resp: 12,20,38
